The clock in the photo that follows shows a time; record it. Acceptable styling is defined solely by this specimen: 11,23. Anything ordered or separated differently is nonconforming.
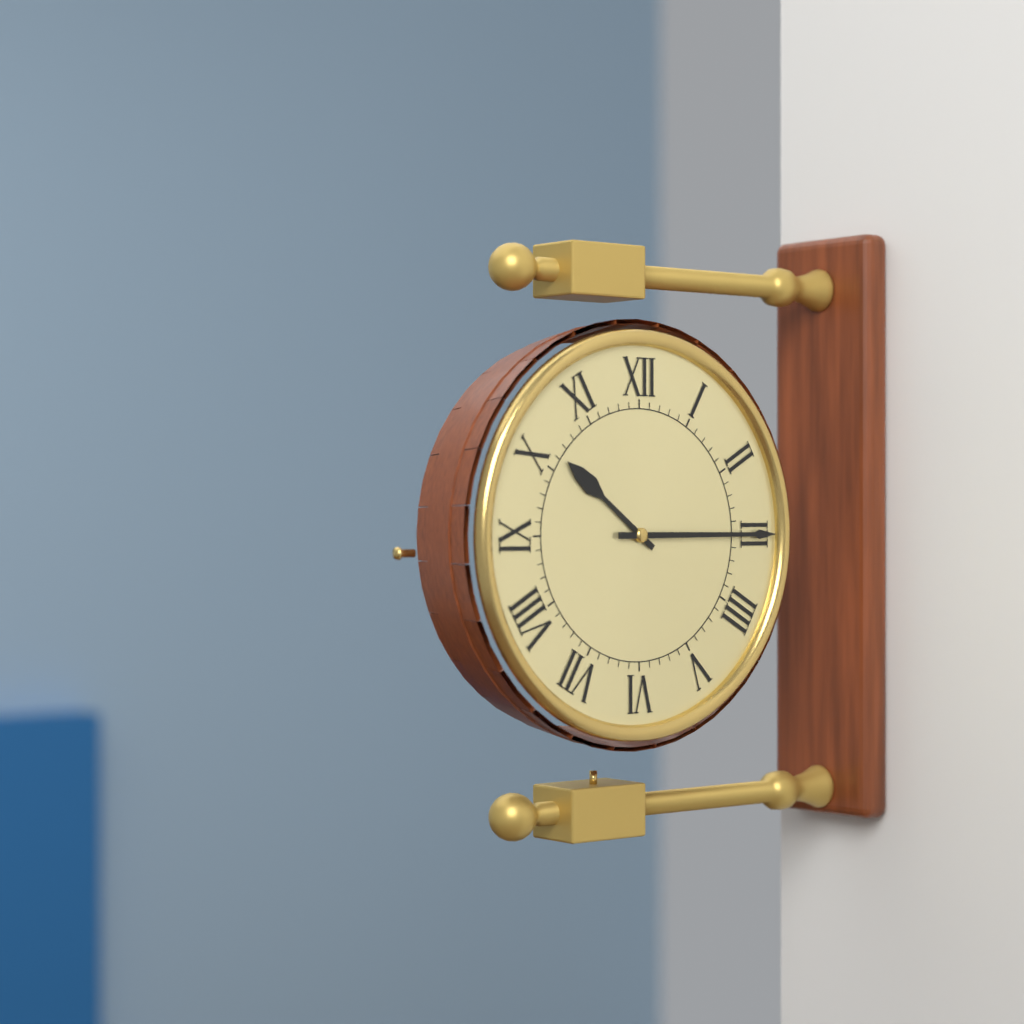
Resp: 10,15
